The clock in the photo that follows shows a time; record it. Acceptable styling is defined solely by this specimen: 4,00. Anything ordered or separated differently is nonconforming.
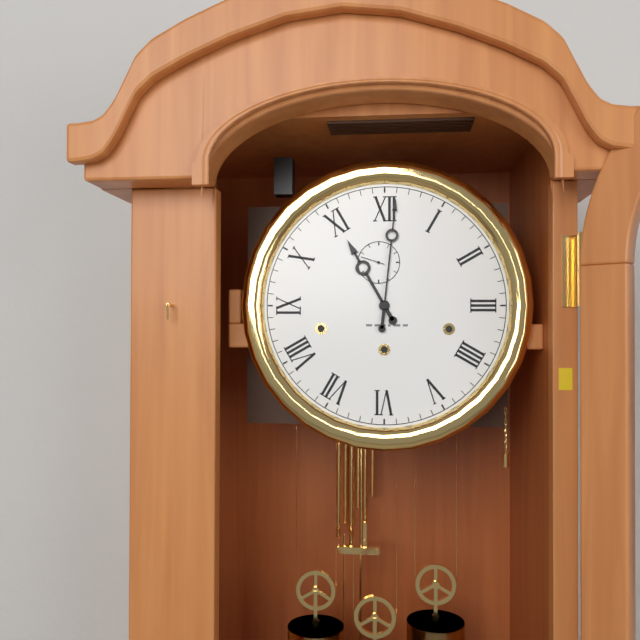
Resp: 11,01
